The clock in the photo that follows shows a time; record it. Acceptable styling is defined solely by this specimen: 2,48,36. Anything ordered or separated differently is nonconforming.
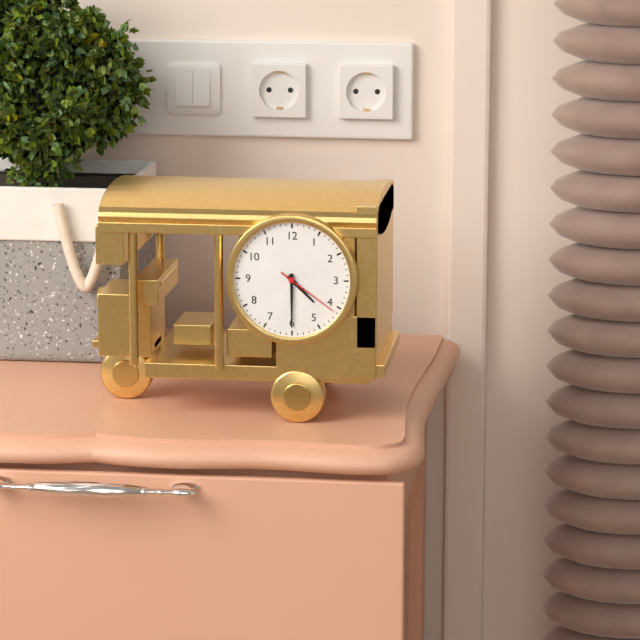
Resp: 4,30,21
